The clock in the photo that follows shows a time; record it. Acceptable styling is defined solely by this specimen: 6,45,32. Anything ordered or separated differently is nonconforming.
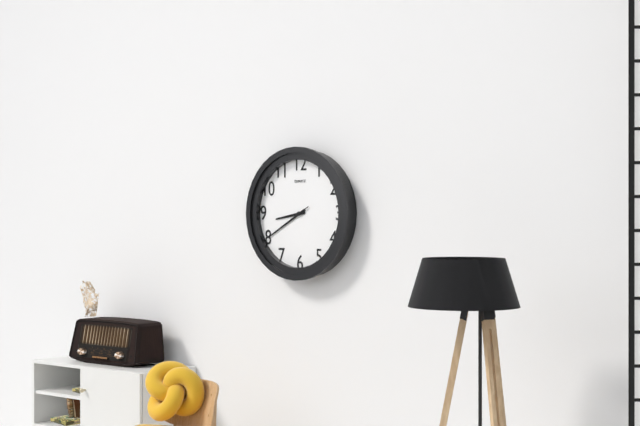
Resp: 8,40,40
